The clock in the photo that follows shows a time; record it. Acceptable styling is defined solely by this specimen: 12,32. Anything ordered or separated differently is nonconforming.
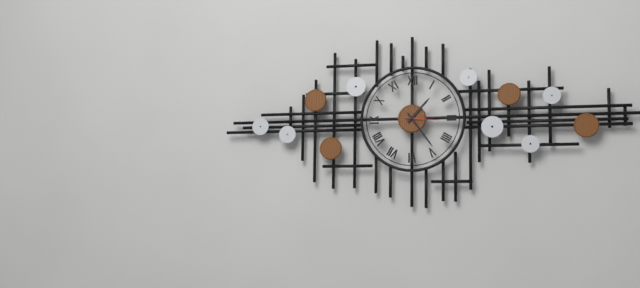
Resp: 1,24
